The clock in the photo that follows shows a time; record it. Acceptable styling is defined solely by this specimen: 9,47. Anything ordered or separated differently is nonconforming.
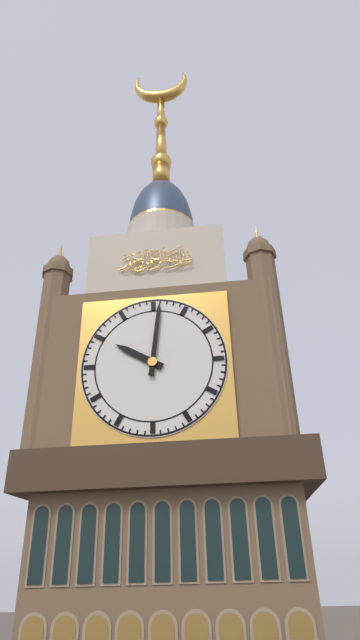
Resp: 10,01
